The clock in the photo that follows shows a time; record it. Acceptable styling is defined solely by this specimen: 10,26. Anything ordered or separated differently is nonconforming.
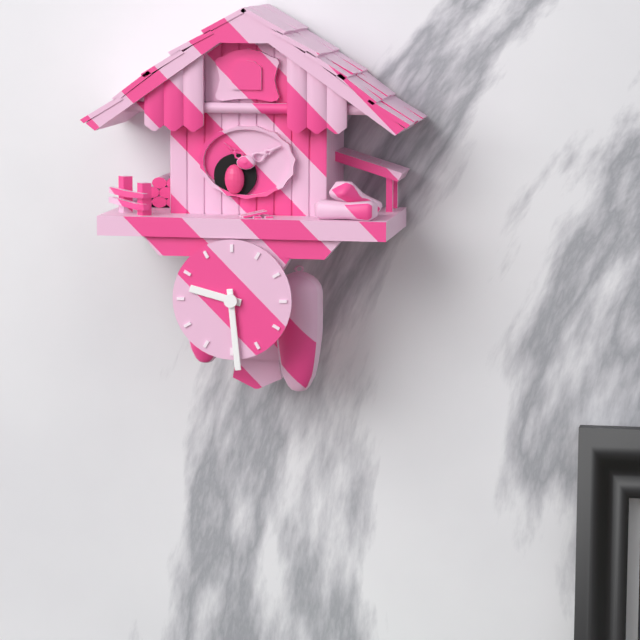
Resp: 9,29
